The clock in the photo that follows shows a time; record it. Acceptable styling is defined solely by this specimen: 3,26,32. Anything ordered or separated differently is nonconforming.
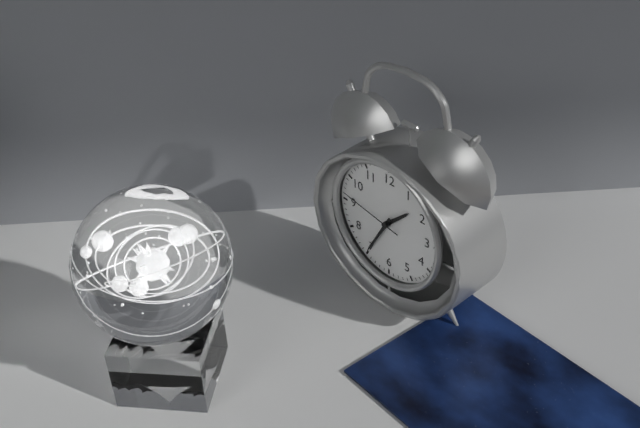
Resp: 1,35,47
